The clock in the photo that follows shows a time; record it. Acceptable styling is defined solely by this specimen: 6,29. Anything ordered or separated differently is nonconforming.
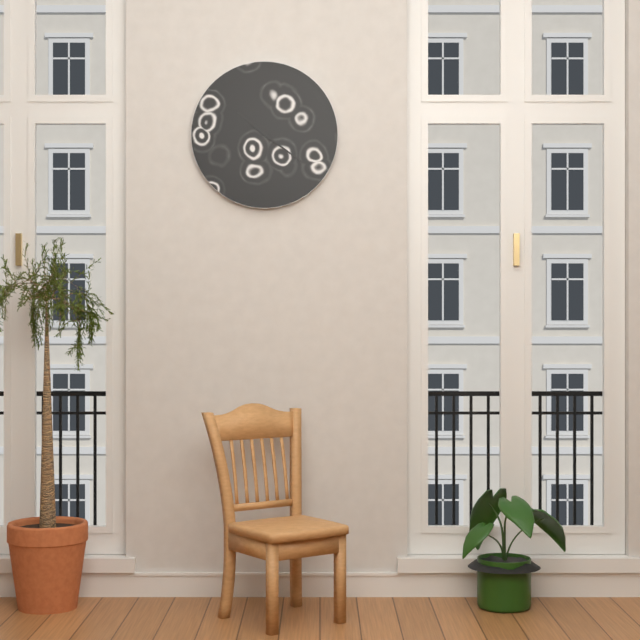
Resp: 10,21
